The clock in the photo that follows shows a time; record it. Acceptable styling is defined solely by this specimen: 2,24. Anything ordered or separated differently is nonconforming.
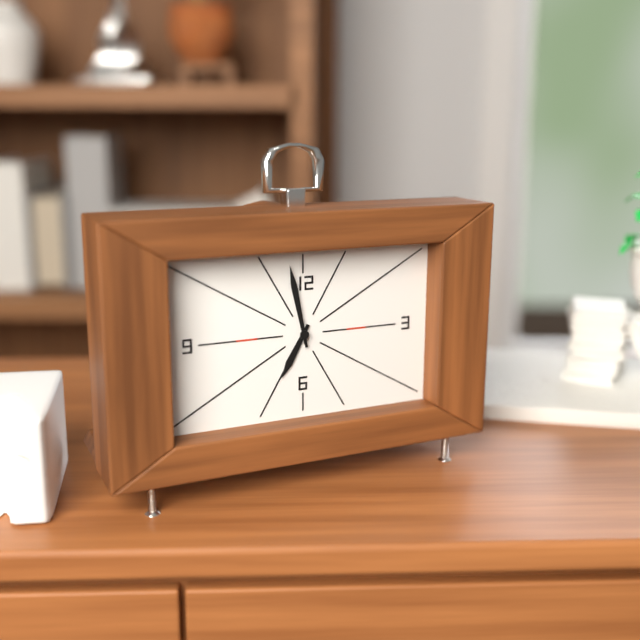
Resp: 6,58
